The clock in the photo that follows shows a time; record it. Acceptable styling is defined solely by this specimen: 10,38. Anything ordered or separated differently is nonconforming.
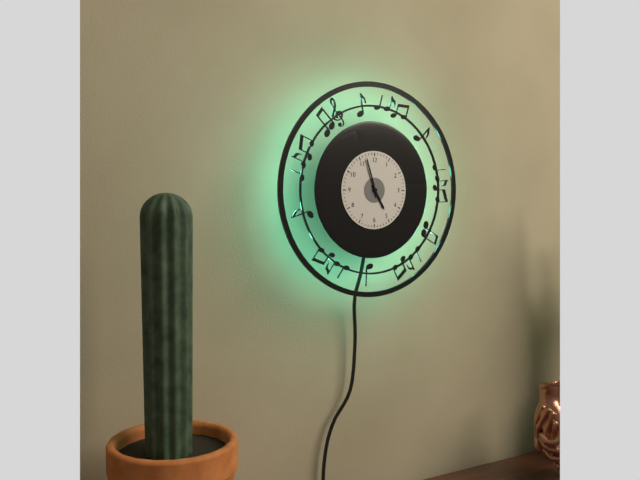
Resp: 4,57
